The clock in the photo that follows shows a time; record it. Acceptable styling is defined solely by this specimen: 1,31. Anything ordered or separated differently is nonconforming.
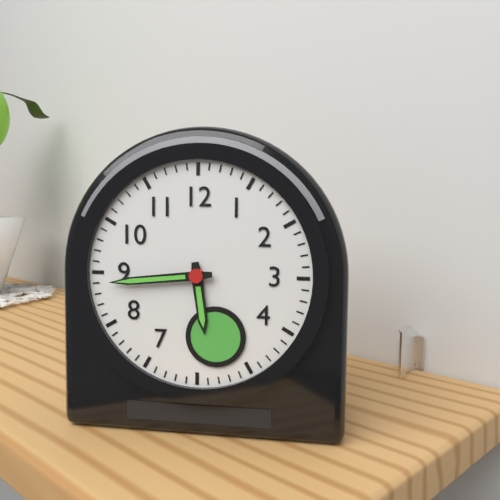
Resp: 5,44
